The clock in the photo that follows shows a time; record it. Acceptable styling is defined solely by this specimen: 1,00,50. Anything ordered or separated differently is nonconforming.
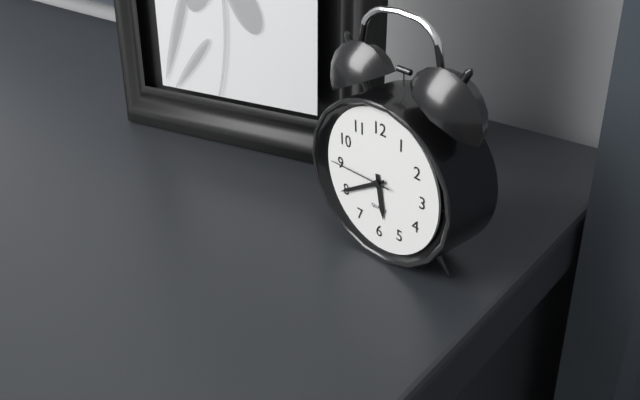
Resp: 5,40,45
